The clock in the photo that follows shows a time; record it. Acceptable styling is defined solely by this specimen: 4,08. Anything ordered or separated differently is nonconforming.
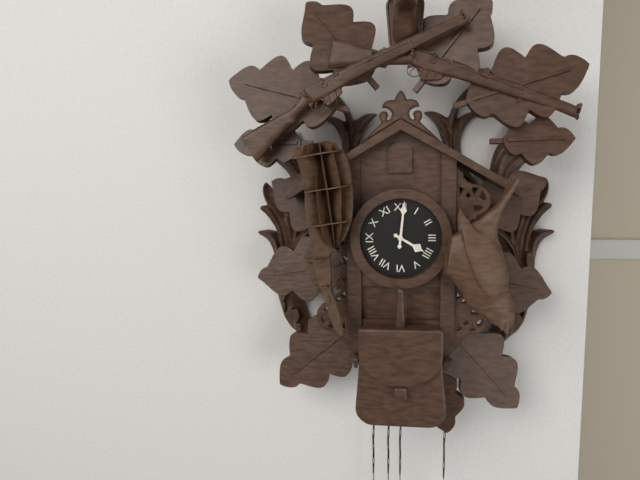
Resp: 4,01
